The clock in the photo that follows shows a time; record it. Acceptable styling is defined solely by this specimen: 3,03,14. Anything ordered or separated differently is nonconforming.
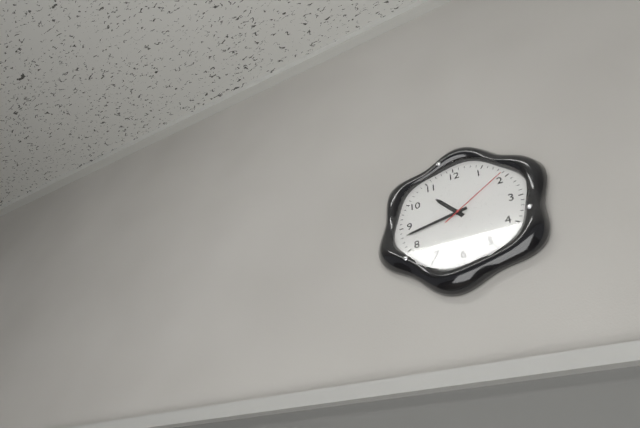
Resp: 10,43,09
